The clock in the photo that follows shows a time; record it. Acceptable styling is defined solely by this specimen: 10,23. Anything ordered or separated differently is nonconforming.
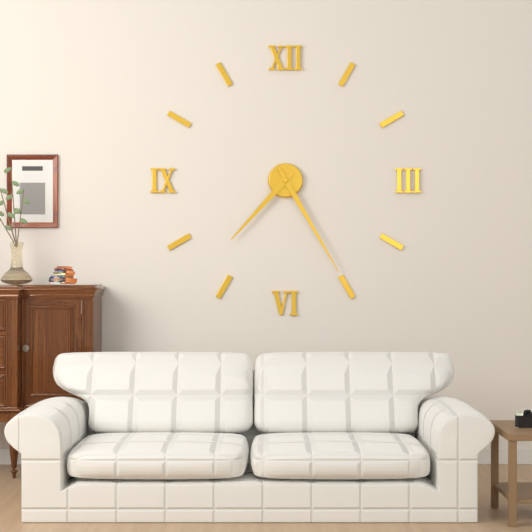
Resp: 7,25
